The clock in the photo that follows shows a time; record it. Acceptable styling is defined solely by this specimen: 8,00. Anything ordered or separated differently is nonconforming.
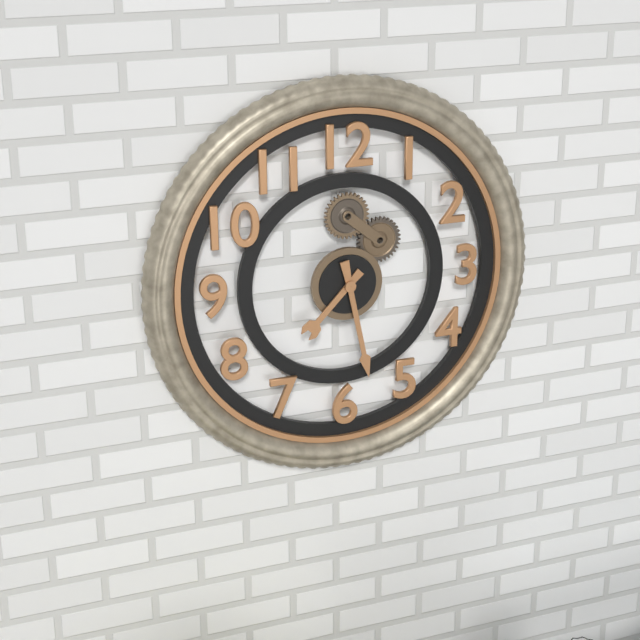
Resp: 7,28
